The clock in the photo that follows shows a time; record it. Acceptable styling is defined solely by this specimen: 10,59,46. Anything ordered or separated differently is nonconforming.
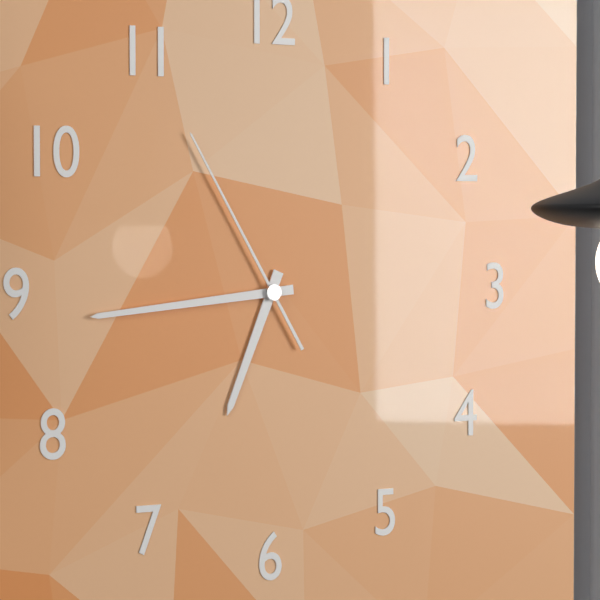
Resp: 6,44,55
